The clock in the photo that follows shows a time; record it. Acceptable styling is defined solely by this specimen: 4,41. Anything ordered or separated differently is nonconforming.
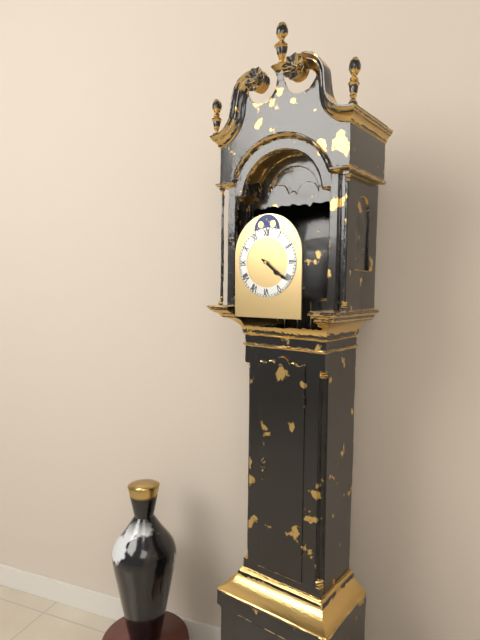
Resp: 4,21
